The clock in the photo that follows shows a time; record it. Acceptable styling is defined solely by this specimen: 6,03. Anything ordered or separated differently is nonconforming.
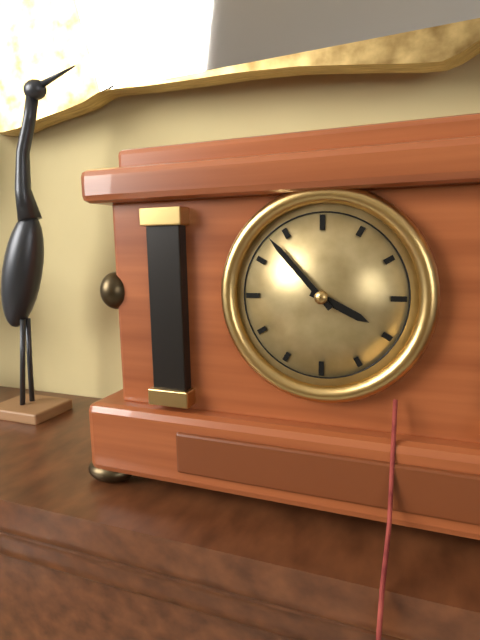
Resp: 3,53
